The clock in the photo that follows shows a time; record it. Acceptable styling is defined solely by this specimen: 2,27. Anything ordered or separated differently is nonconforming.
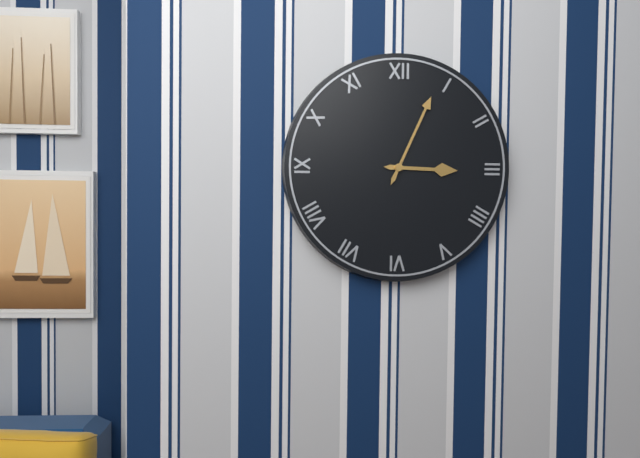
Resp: 3,04
